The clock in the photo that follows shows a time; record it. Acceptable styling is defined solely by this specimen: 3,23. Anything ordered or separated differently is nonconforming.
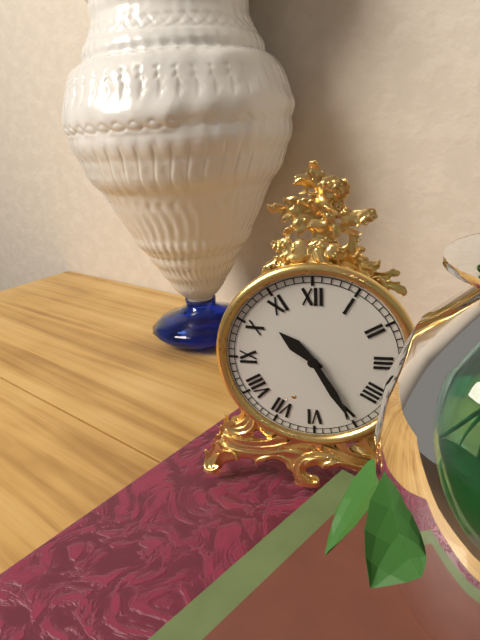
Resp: 10,25
